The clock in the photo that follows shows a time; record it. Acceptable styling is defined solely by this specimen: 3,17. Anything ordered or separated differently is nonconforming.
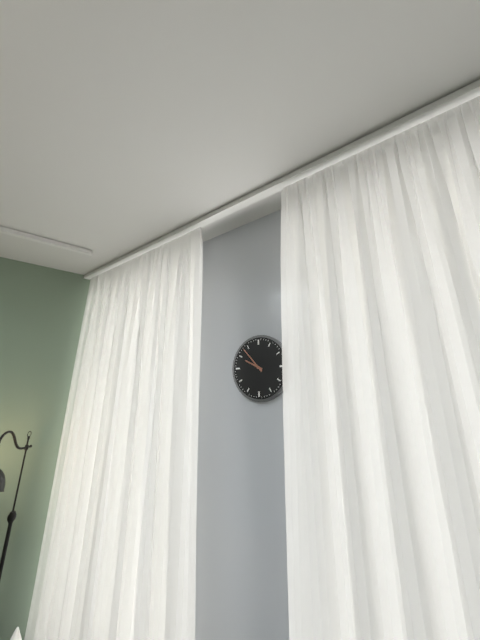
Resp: 9,53
